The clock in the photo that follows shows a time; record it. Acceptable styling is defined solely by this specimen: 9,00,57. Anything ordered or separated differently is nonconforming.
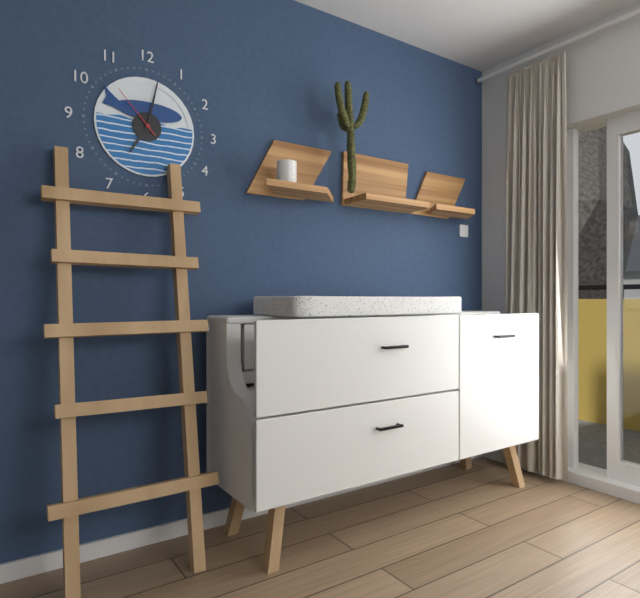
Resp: 7,02,53
